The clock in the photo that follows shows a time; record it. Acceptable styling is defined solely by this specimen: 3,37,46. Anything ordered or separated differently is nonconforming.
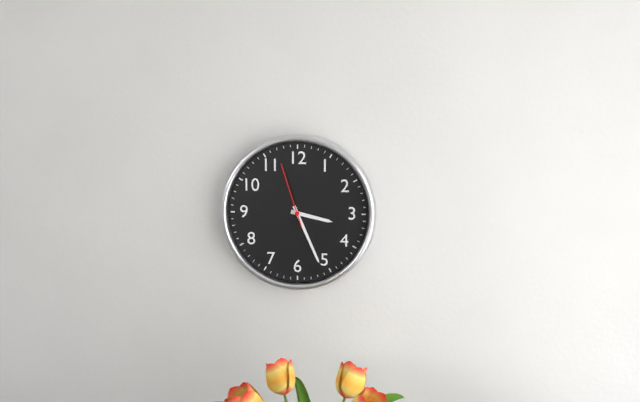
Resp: 3,26,57
